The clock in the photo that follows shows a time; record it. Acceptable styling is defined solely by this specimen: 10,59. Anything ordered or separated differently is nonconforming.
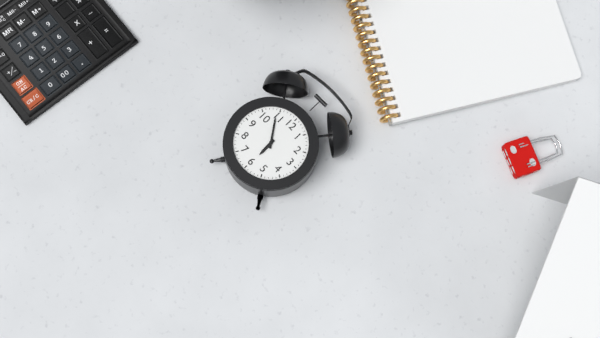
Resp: 5,54
